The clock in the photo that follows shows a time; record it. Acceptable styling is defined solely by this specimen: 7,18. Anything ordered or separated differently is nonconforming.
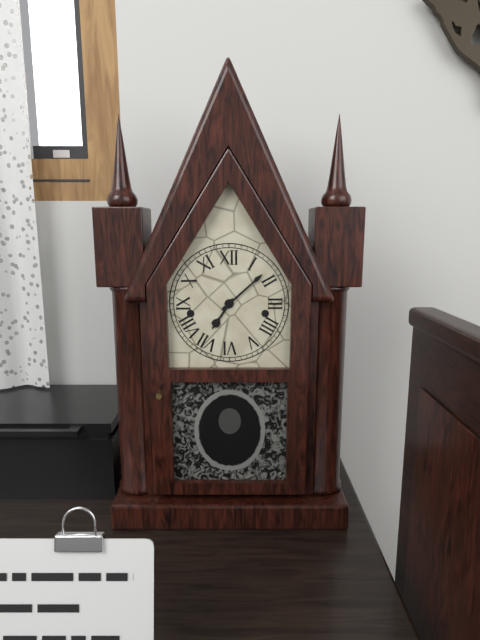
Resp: 7,08
